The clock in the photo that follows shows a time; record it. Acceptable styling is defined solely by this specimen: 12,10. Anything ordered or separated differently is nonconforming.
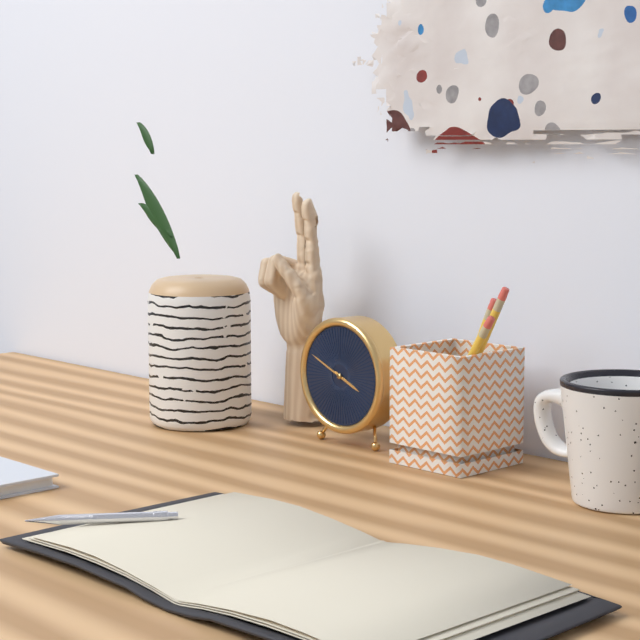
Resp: 3,49
